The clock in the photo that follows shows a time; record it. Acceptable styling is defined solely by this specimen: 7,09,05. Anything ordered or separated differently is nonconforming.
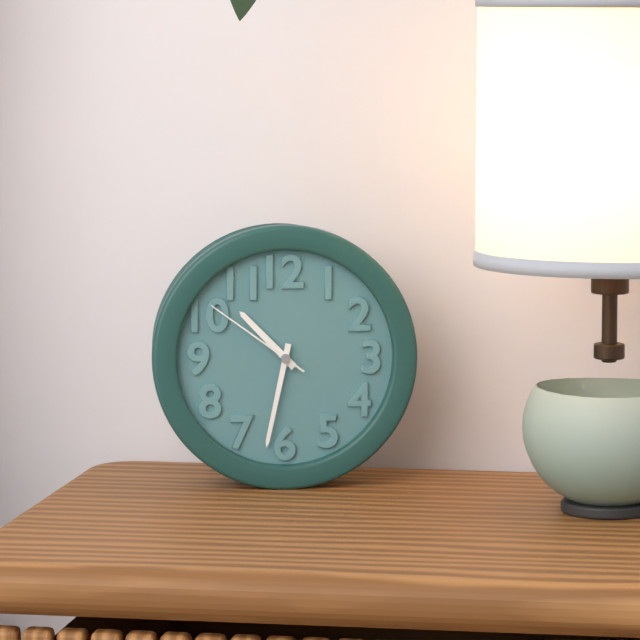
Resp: 10,32,51
